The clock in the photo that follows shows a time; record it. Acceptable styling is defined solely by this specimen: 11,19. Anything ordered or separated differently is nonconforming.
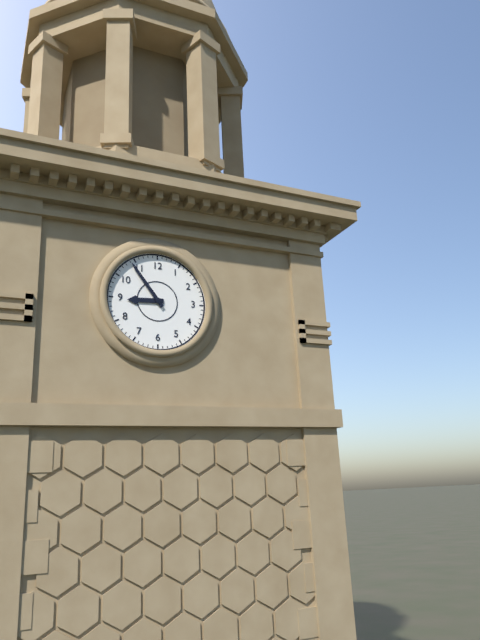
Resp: 8,54
